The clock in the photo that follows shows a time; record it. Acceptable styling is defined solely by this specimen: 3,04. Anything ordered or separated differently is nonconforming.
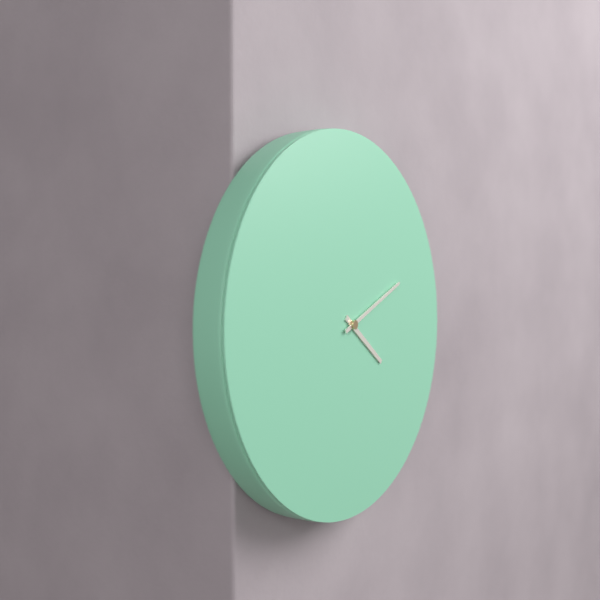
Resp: 4,11
